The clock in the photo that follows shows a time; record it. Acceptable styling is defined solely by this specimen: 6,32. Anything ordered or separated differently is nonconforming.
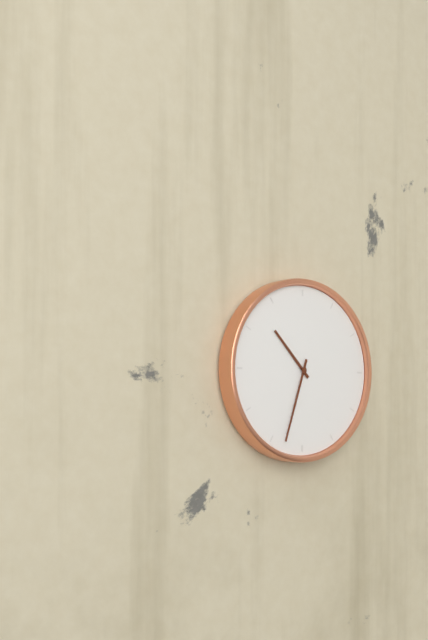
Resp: 10,33
